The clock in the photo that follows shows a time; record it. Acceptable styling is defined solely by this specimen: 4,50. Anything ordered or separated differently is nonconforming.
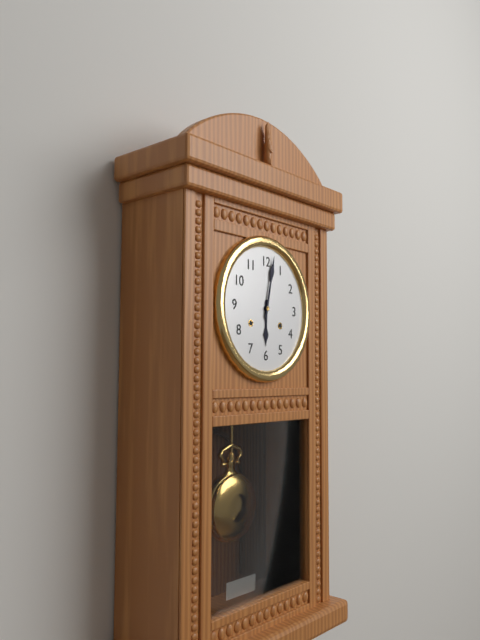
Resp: 6,02
